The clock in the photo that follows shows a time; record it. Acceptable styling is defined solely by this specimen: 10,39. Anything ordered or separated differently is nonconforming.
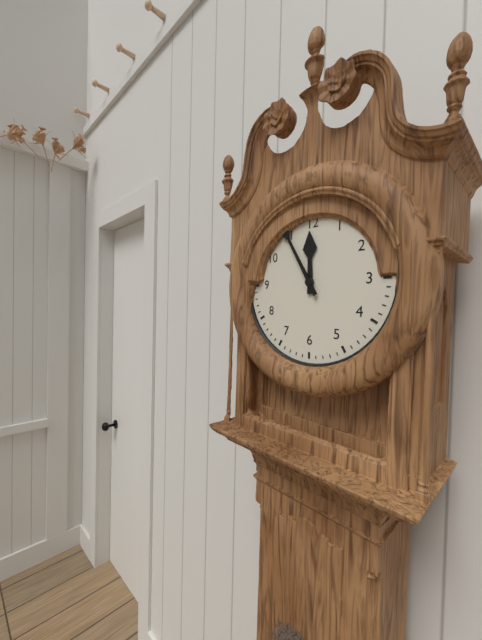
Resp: 11,55
